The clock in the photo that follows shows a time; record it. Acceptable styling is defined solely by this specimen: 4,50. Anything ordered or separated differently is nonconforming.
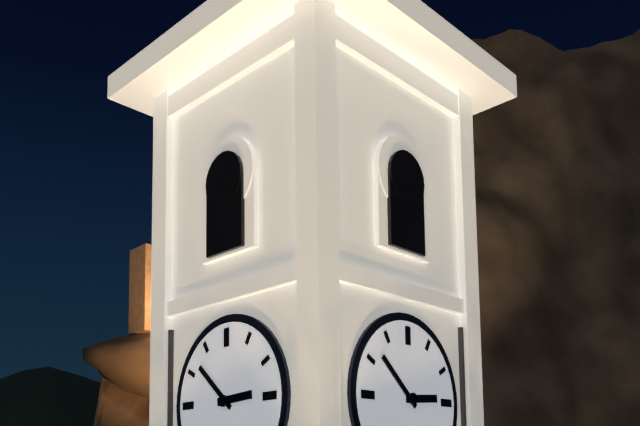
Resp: 2,52
